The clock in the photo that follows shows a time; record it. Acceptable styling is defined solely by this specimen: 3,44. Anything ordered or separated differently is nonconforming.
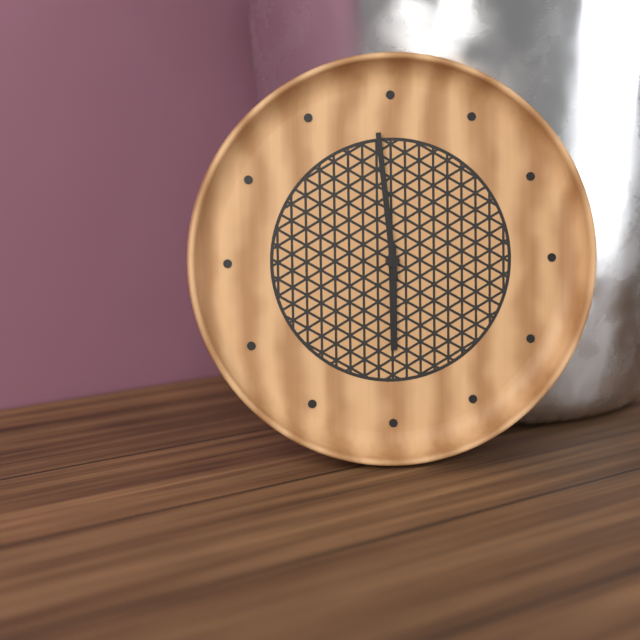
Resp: 5,59
